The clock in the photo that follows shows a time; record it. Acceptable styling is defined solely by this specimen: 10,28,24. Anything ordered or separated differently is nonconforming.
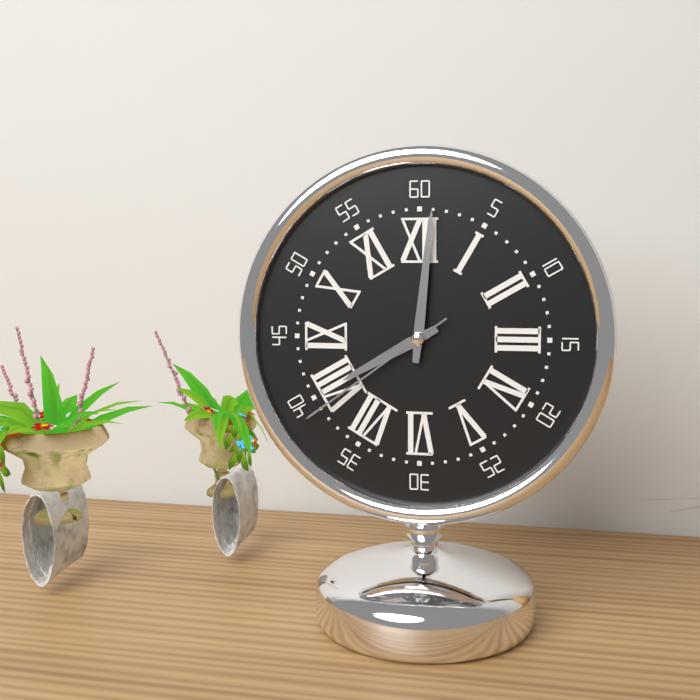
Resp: 8,01,39
